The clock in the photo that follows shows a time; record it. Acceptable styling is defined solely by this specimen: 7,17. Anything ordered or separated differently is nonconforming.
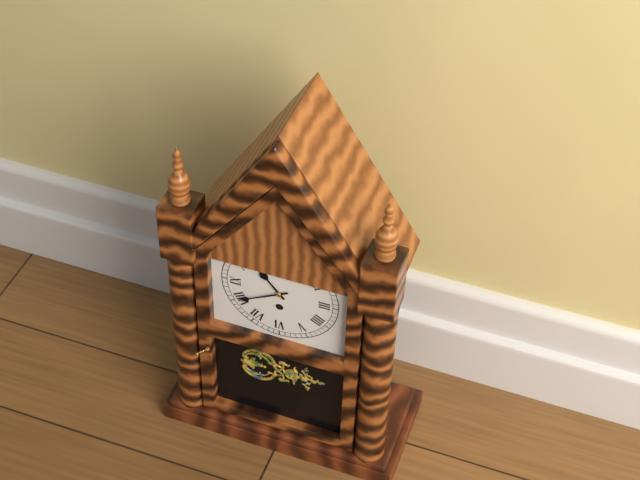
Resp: 10,40
